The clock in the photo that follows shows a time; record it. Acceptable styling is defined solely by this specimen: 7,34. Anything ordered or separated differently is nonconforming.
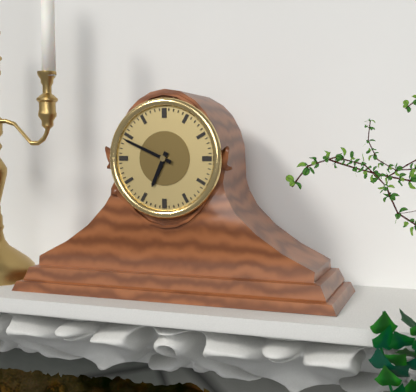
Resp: 6,49
